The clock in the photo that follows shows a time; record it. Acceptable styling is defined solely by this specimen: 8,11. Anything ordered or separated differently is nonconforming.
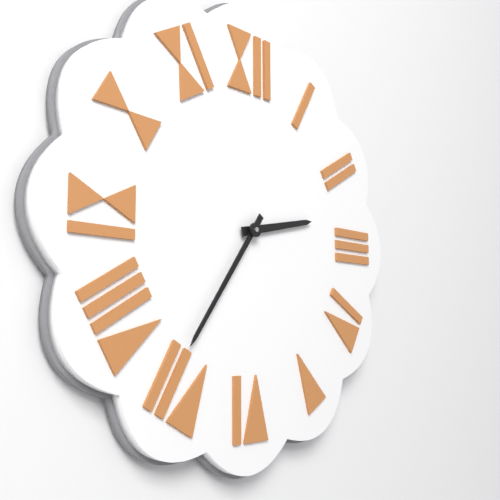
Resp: 2,36
